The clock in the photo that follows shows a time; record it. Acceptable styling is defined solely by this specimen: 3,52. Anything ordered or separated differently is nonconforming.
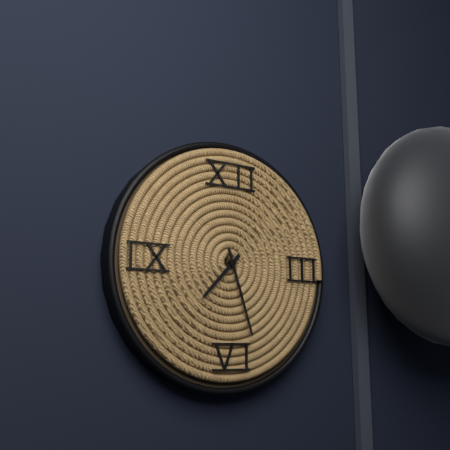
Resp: 7,27
